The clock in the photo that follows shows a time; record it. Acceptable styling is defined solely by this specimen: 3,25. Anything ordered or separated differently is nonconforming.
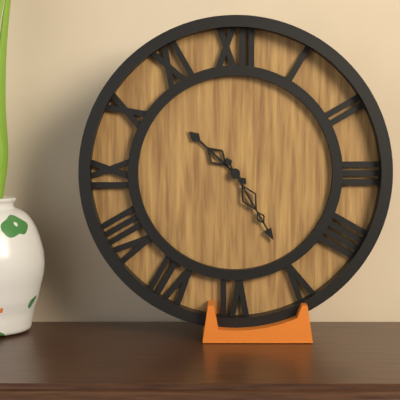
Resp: 10,25
